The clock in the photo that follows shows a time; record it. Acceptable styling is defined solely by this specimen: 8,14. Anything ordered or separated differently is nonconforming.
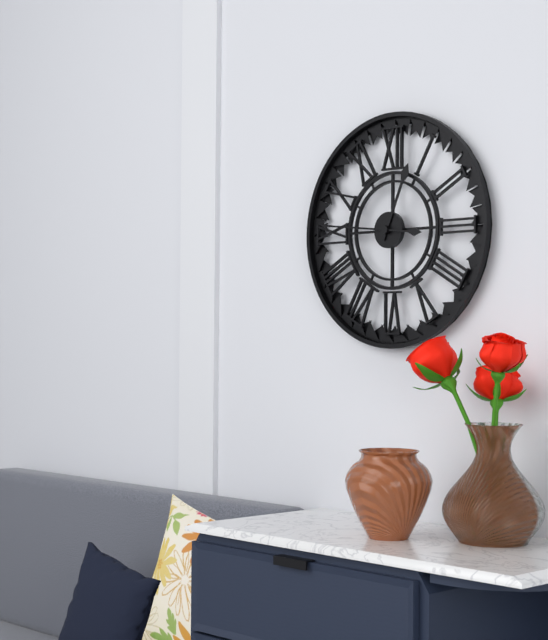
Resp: 12,46
